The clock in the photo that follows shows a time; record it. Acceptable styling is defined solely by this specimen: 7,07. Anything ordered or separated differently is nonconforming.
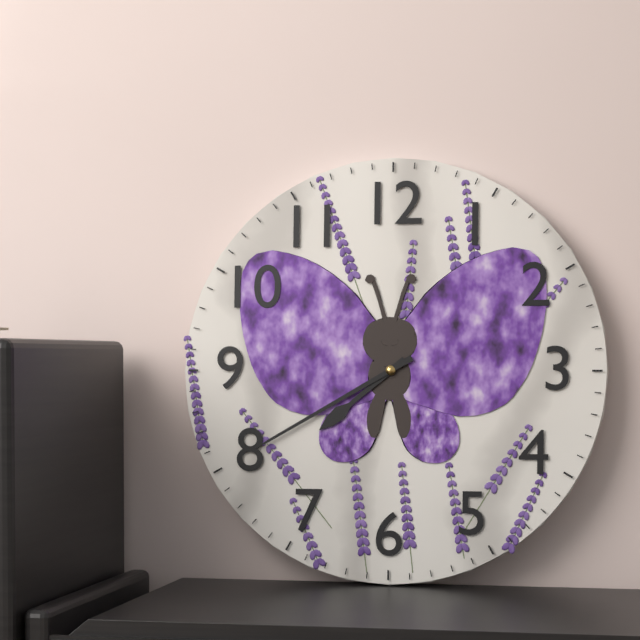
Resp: 7,40
